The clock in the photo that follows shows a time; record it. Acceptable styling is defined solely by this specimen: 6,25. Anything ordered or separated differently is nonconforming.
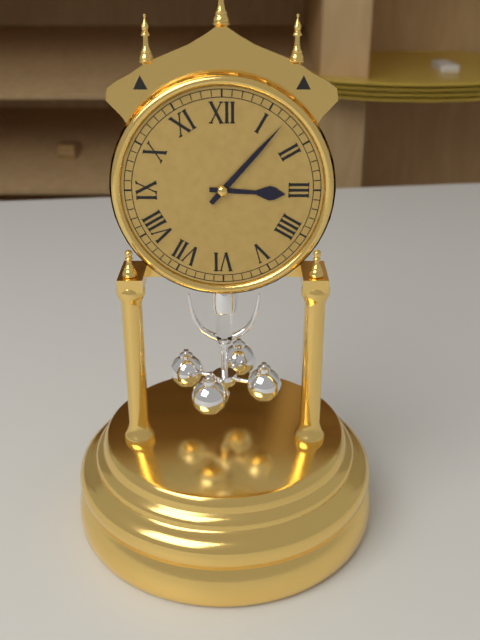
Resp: 3,07
